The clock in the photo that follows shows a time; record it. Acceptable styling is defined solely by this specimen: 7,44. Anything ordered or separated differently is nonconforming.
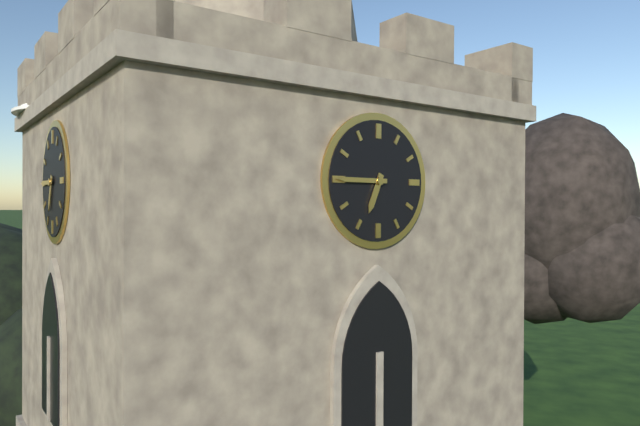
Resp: 6,45
